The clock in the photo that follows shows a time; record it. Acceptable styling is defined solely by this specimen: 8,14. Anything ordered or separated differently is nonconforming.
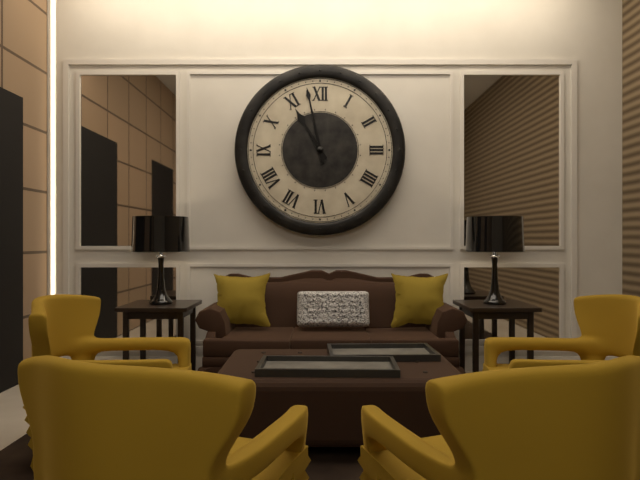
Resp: 10,58
